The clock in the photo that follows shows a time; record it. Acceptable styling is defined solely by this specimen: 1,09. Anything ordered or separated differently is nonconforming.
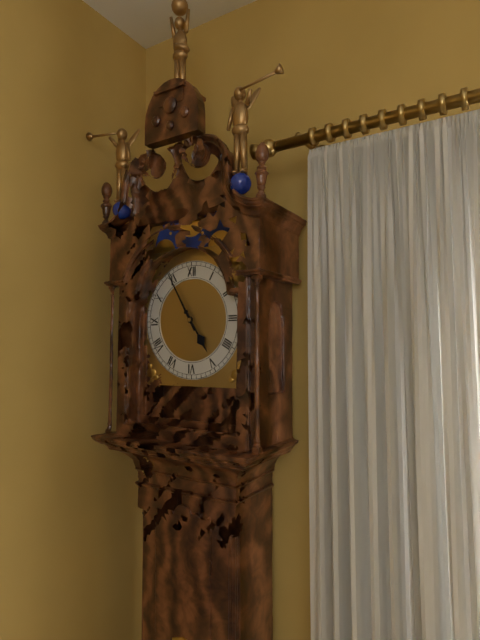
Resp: 4,55
